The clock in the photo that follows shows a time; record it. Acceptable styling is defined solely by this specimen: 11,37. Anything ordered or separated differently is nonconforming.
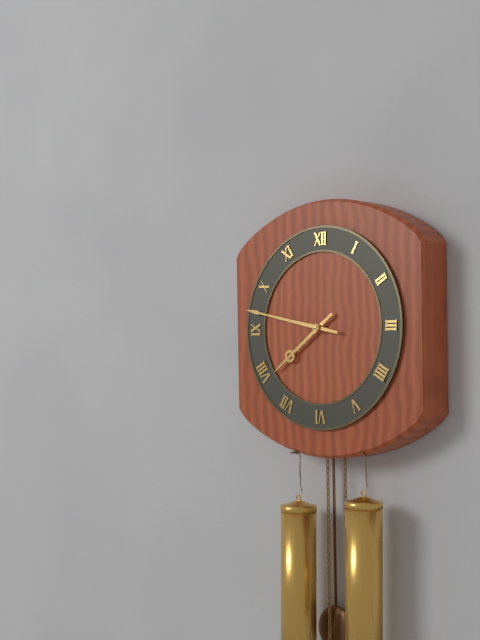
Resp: 7,47
